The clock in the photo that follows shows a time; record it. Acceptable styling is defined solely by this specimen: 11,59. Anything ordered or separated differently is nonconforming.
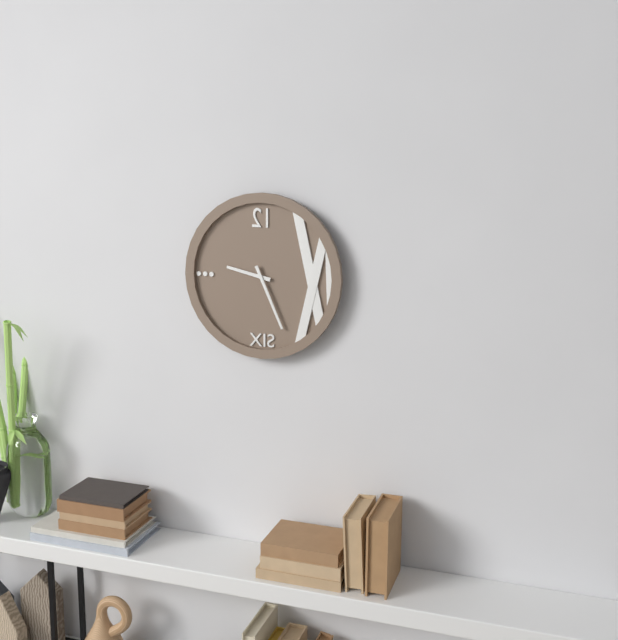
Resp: 9,26
